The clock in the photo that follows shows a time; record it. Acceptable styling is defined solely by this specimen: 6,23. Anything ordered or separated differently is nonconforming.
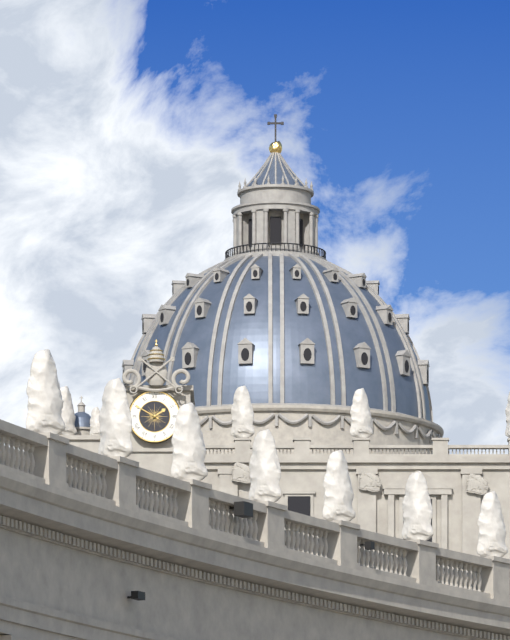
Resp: 1,50
